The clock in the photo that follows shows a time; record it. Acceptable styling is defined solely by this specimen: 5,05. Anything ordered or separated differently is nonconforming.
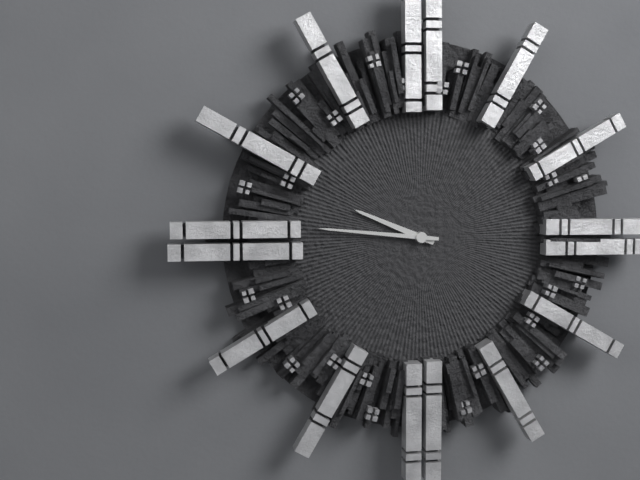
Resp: 9,46
